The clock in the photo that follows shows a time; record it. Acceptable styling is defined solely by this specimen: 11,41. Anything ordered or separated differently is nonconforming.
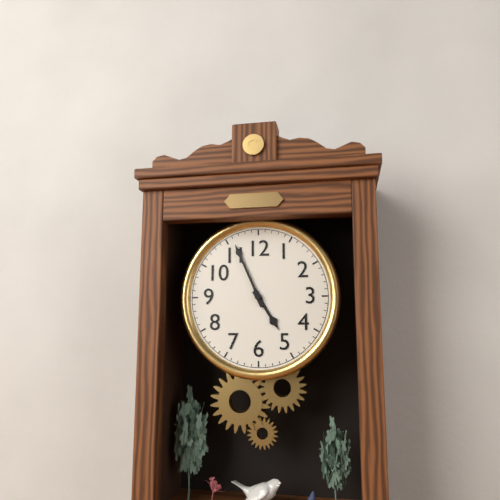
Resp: 4,56
